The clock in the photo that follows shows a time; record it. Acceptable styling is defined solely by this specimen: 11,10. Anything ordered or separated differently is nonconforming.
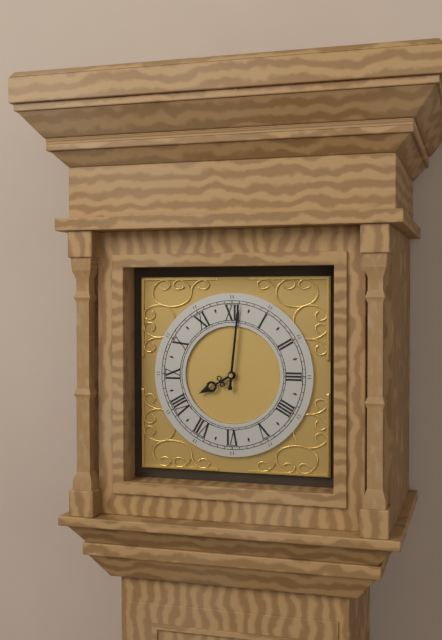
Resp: 8,01
